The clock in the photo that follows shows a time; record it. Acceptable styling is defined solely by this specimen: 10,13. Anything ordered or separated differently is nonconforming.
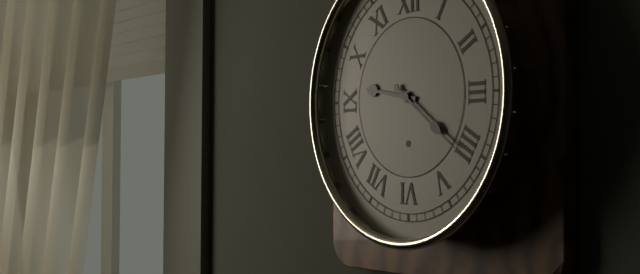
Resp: 9,21
